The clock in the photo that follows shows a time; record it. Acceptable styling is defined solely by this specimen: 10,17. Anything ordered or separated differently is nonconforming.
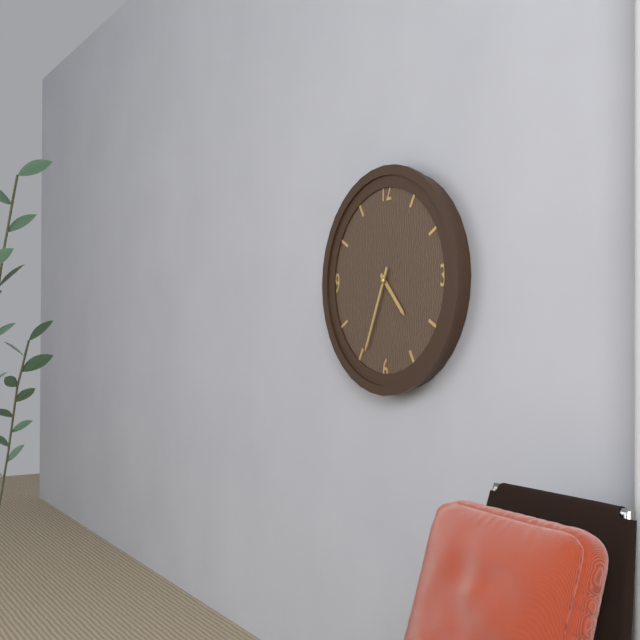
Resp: 4,34
